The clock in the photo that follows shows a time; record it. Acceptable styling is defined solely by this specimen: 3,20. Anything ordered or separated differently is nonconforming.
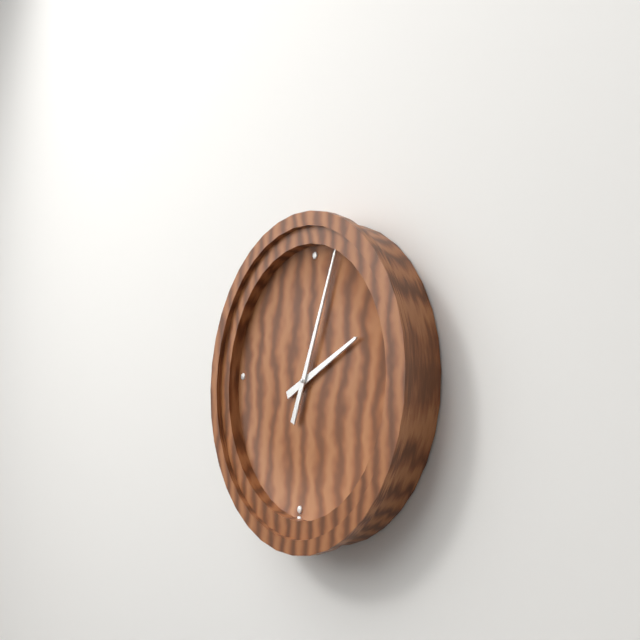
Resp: 2,03
